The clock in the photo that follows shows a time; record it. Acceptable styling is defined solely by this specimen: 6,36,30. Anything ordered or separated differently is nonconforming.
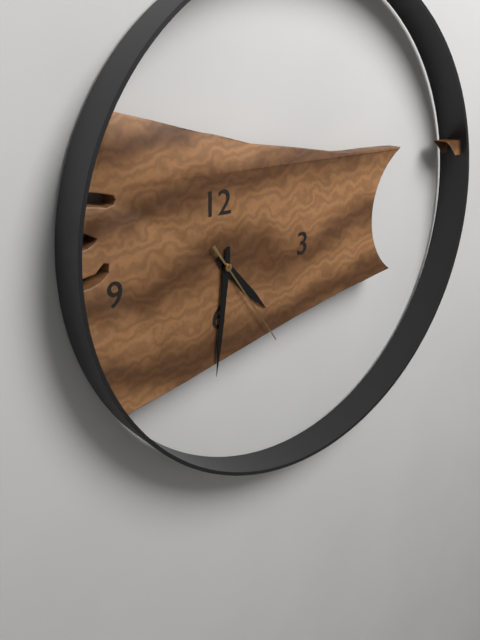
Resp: 4,31,24
